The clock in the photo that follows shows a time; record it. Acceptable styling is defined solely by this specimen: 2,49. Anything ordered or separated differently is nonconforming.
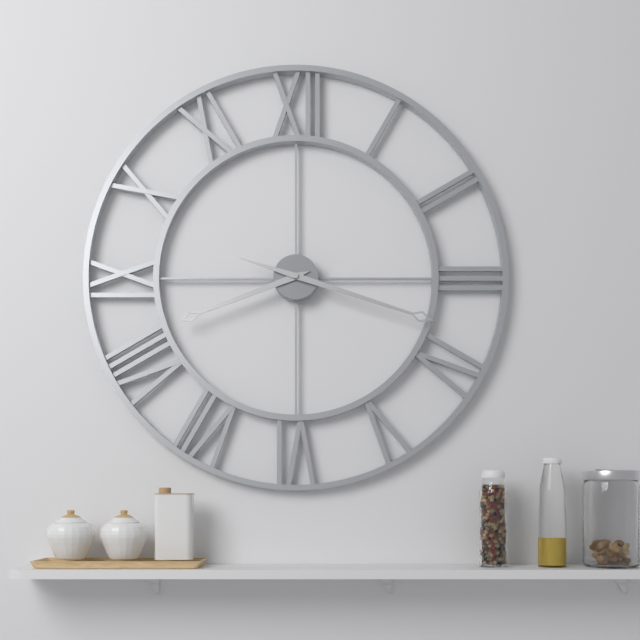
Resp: 8,18
